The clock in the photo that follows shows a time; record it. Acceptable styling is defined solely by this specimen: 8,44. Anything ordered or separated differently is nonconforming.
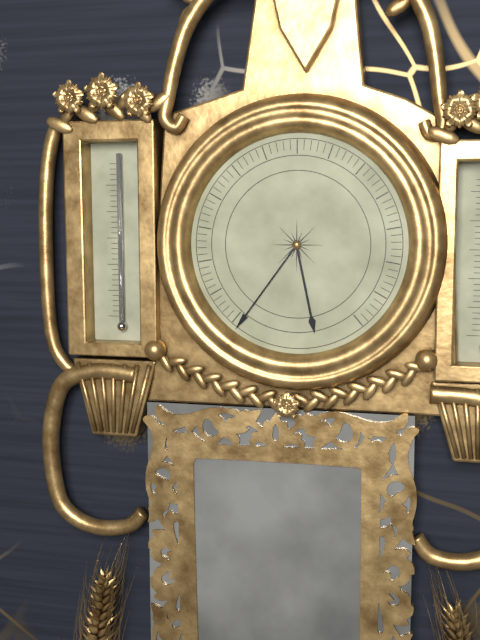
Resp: 5,36
